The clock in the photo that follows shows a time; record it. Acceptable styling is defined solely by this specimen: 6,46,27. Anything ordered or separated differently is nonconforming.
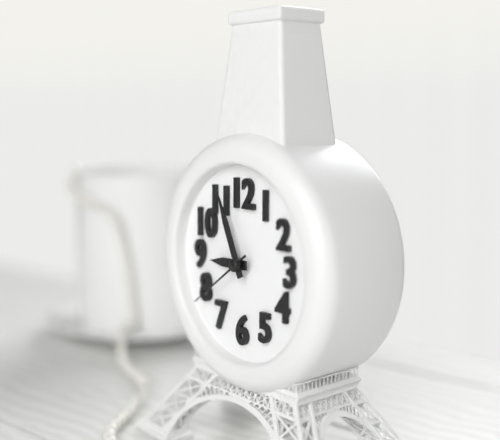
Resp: 8,56,39
